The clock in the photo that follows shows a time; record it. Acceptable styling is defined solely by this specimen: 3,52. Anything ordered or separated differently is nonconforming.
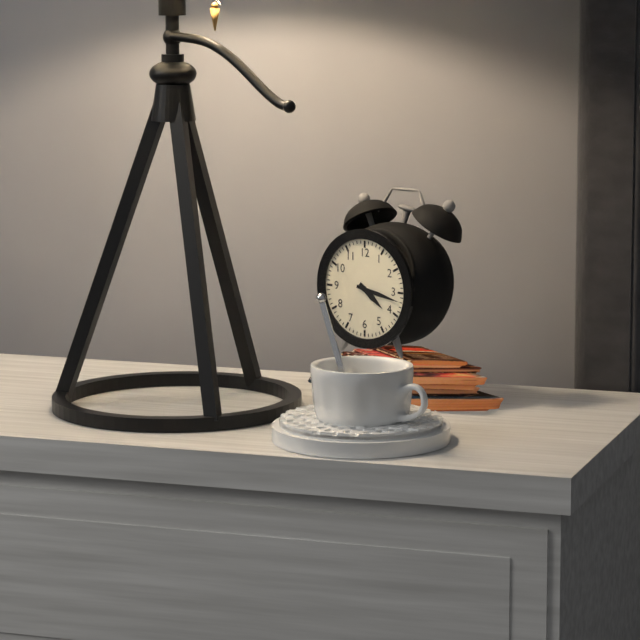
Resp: 4,17
